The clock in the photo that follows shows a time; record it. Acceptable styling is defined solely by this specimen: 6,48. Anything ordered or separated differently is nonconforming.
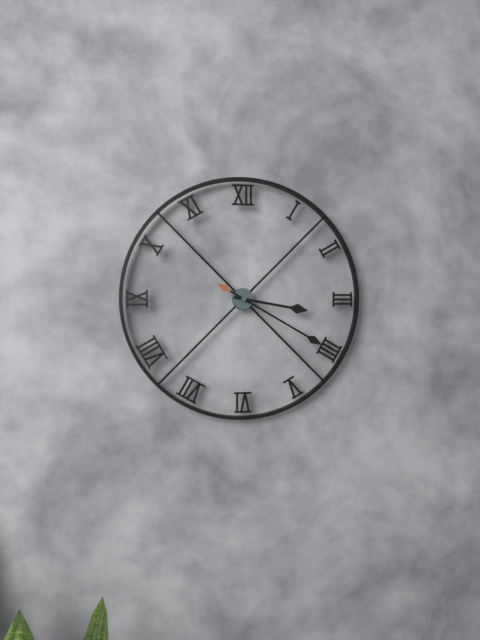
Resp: 3,20
